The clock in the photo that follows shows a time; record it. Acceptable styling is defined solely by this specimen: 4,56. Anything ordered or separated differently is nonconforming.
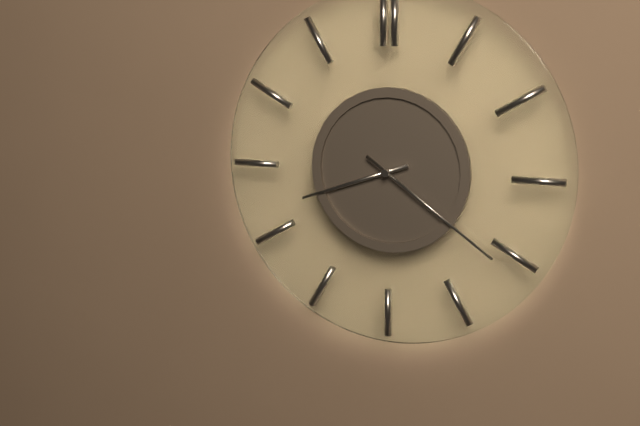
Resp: 8,21
